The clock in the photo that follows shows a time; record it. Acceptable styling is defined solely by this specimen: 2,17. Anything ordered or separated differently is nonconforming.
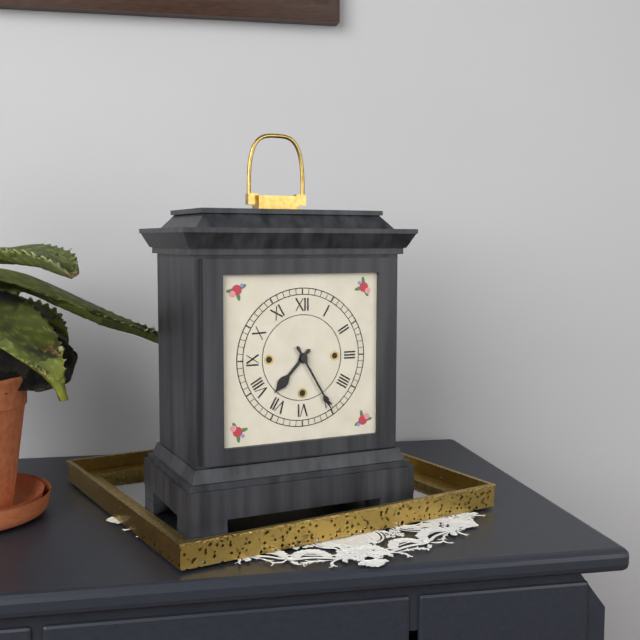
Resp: 7,25
